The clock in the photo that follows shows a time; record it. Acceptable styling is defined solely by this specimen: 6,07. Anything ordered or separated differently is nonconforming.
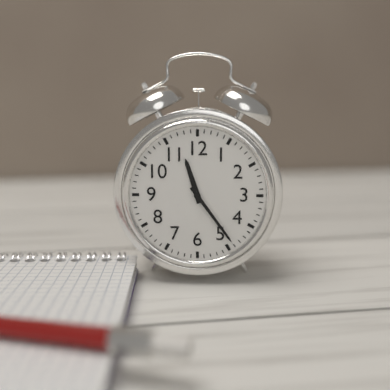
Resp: 11,24
